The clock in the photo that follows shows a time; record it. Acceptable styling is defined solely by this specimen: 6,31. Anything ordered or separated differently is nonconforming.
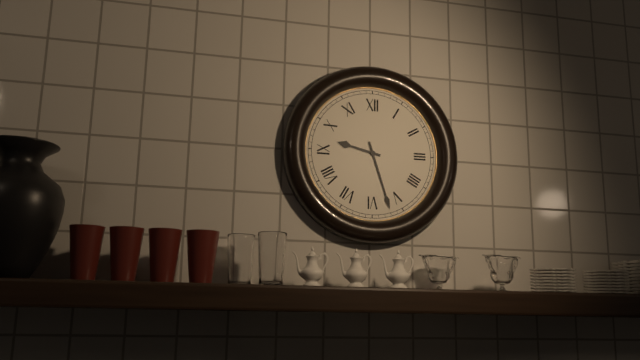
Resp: 9,27
